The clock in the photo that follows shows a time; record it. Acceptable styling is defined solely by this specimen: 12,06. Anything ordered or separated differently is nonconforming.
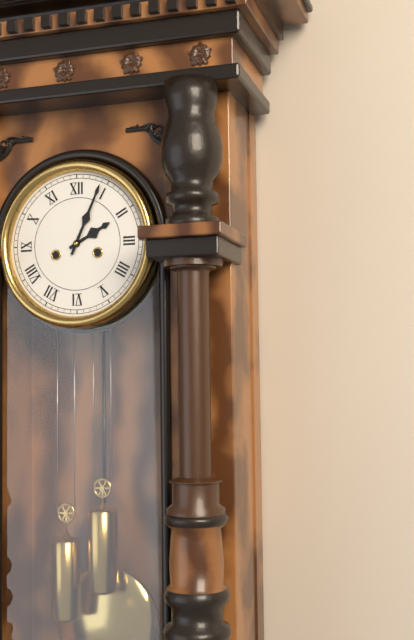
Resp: 2,04
